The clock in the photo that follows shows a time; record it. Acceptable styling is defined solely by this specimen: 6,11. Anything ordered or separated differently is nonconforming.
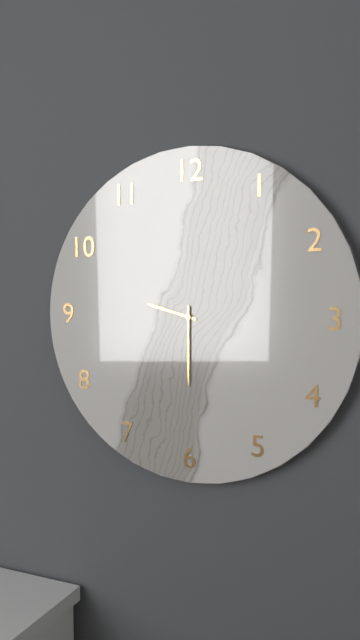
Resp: 9,30
